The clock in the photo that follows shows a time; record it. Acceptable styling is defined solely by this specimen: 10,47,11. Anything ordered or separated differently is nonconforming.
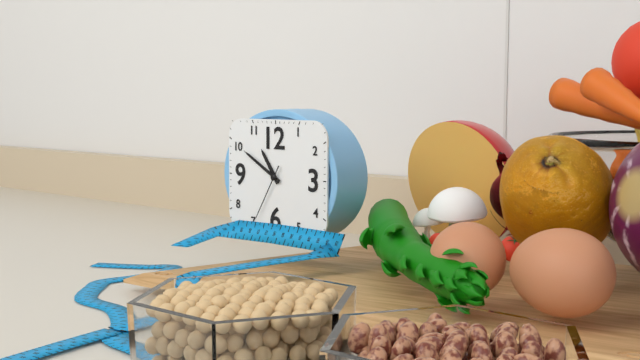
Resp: 10,50,35
